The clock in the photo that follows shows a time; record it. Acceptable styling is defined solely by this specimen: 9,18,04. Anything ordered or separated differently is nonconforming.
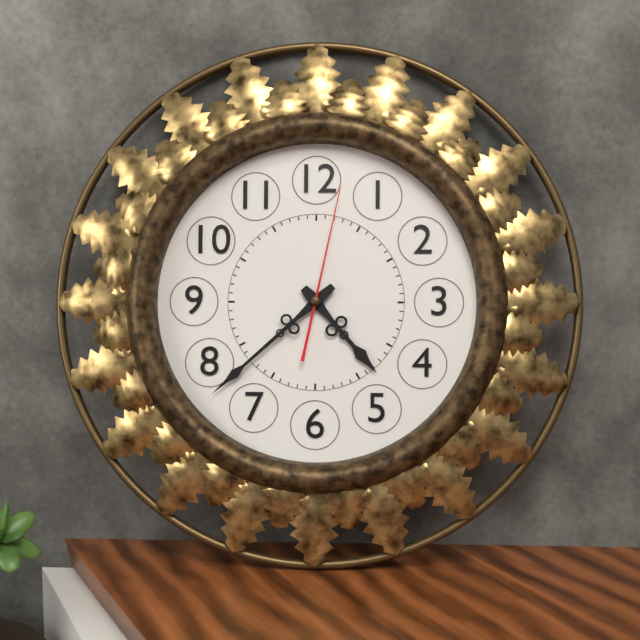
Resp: 4,38,02
